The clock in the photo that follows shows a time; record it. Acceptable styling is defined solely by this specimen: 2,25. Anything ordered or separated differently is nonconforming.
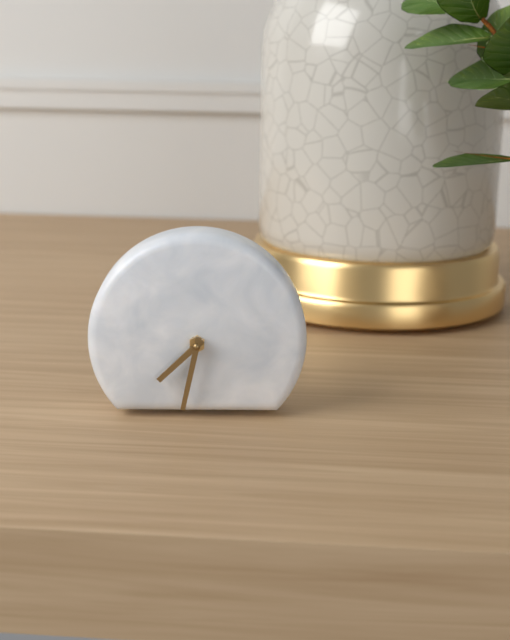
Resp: 7,32
